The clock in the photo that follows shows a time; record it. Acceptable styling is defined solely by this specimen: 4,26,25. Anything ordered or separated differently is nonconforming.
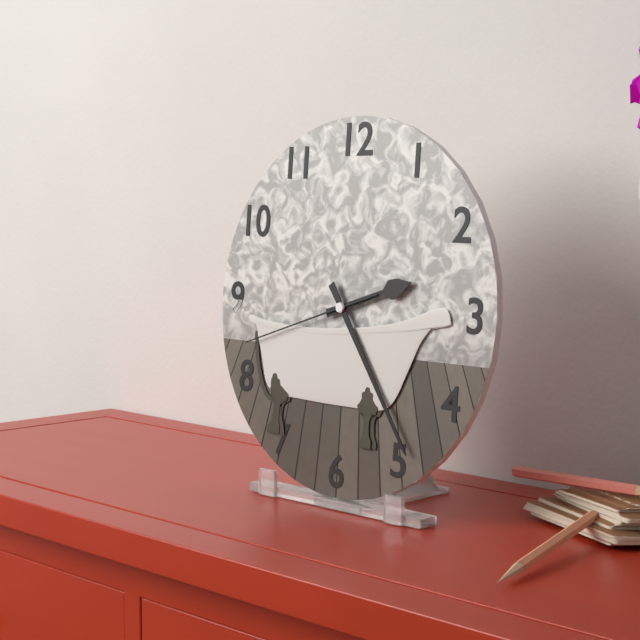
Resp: 2,24,42
